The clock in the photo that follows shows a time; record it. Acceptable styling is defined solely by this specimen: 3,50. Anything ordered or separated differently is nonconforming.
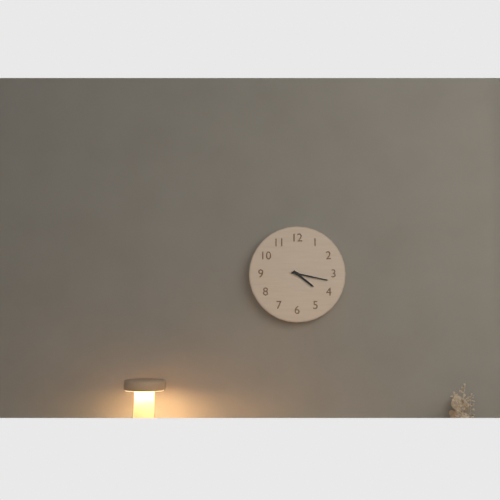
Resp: 4,17
